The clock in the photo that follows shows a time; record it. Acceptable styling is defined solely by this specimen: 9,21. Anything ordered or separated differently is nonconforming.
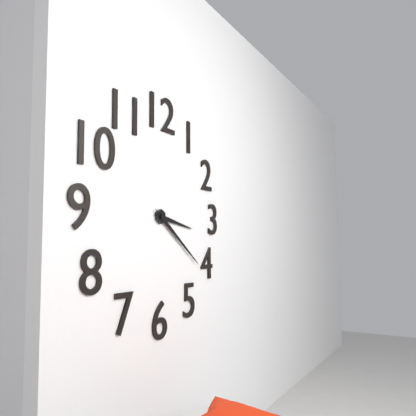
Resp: 3,21
